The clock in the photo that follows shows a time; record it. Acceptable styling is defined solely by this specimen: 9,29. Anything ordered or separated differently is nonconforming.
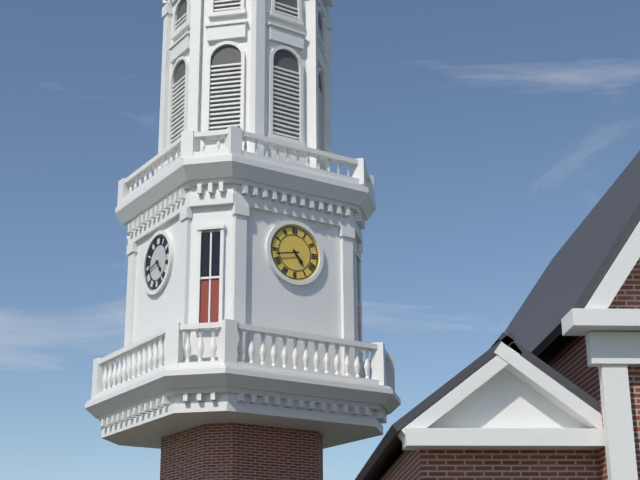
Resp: 4,43
